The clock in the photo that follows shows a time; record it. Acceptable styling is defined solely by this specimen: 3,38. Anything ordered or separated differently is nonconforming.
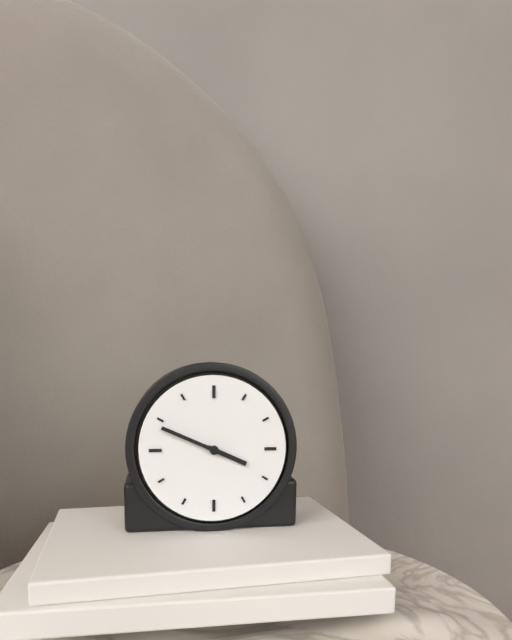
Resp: 3,49
